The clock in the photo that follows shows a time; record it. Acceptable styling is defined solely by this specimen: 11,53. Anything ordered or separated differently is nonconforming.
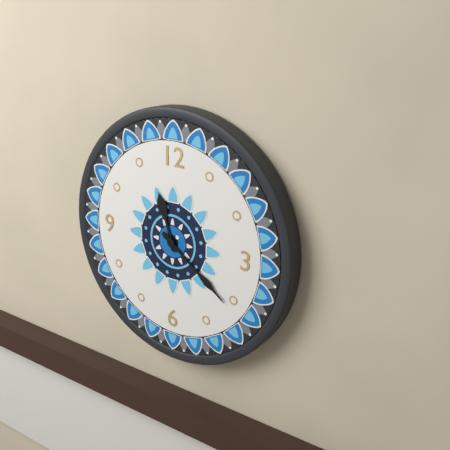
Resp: 11,21
